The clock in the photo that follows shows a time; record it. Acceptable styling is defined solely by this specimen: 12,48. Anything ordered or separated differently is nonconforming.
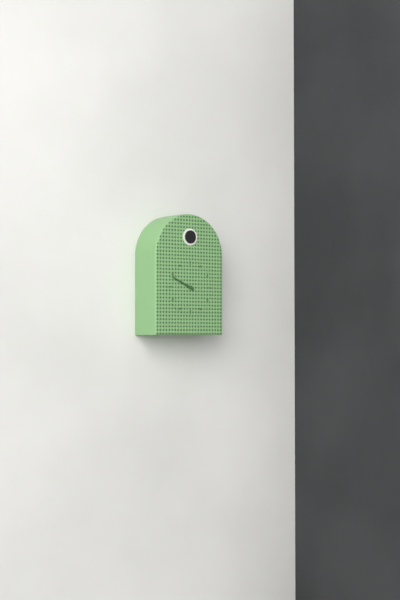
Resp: 9,49
